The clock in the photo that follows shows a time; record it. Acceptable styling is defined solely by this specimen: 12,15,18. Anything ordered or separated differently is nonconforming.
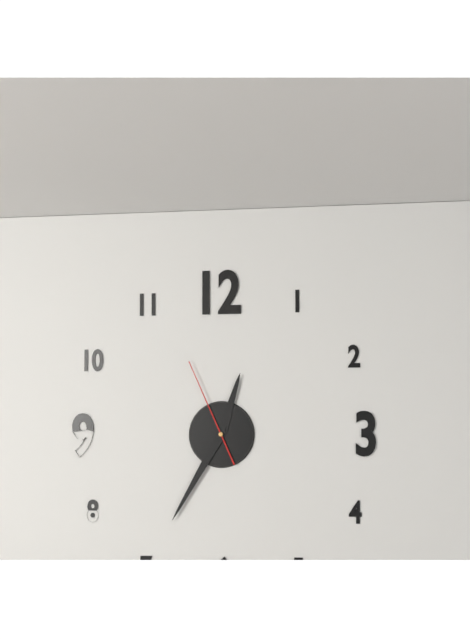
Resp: 12,35,56
